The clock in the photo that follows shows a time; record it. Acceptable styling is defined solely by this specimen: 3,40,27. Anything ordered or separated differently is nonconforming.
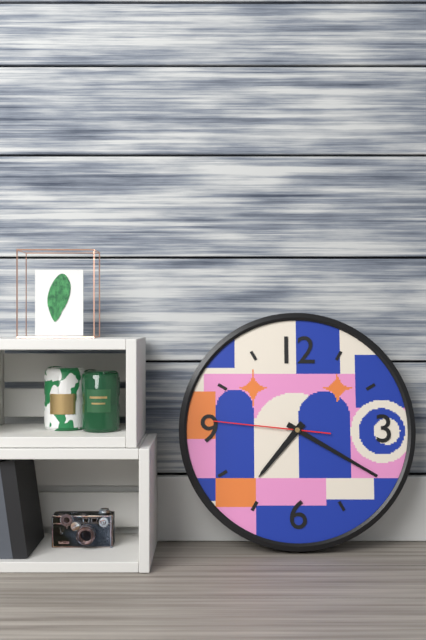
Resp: 7,20,46
